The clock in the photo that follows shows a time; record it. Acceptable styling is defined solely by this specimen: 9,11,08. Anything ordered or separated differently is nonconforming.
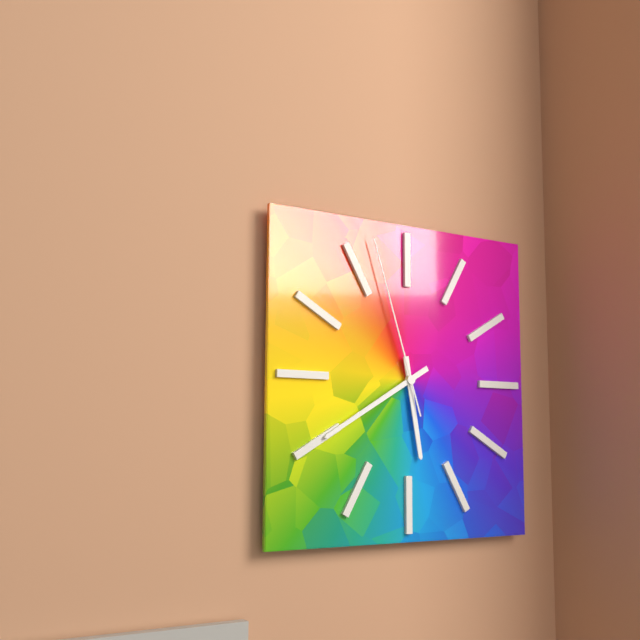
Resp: 5,40,57
